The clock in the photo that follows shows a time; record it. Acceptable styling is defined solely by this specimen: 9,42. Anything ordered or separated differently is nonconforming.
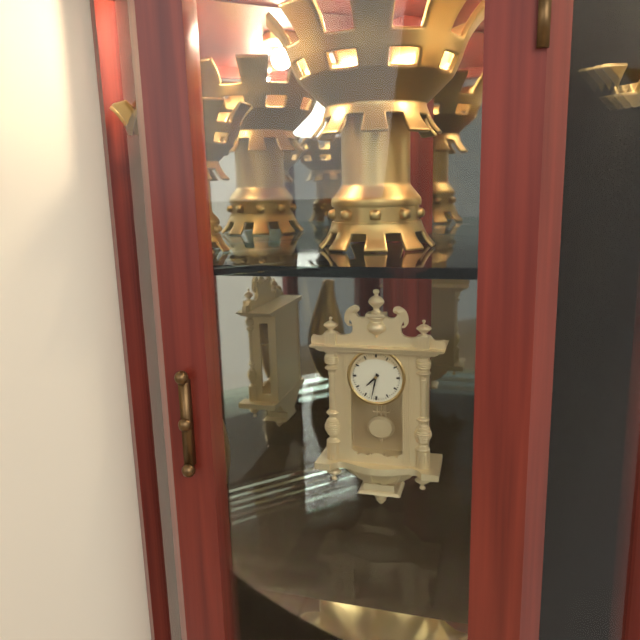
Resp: 7,32
